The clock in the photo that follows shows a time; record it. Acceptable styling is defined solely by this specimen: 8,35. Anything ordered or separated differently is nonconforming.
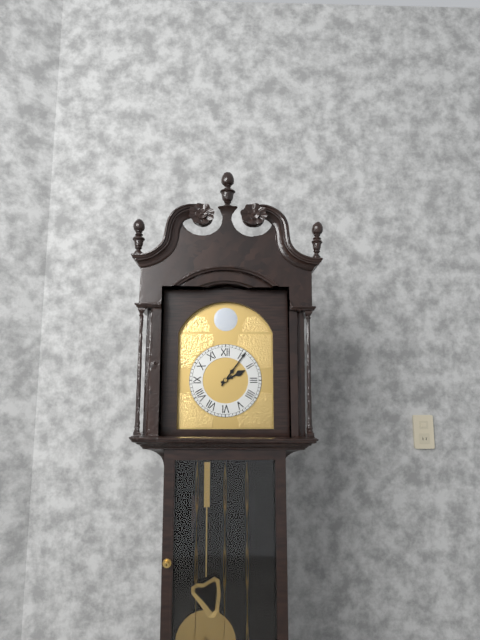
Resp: 2,06
